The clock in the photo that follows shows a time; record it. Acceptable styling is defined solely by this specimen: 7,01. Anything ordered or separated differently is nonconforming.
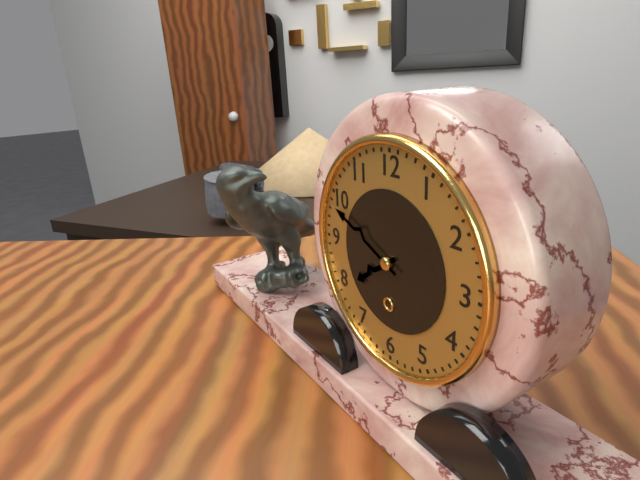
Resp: 7,49
